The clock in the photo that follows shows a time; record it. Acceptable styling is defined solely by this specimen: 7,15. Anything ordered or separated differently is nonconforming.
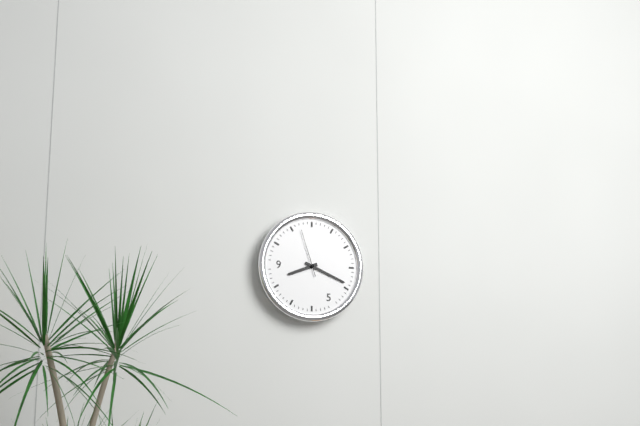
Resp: 8,19
